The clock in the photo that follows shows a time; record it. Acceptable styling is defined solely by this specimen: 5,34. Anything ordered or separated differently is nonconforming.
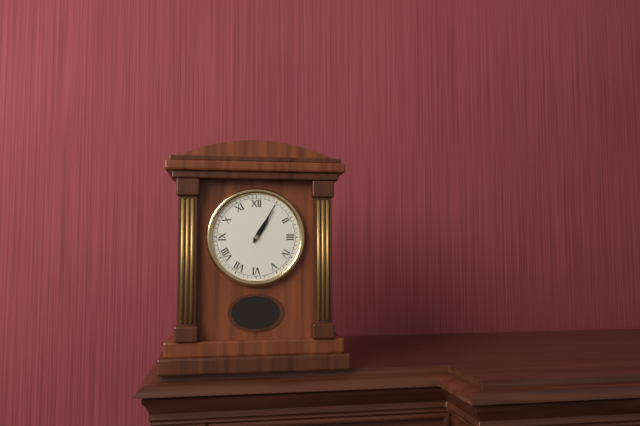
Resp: 1,05
